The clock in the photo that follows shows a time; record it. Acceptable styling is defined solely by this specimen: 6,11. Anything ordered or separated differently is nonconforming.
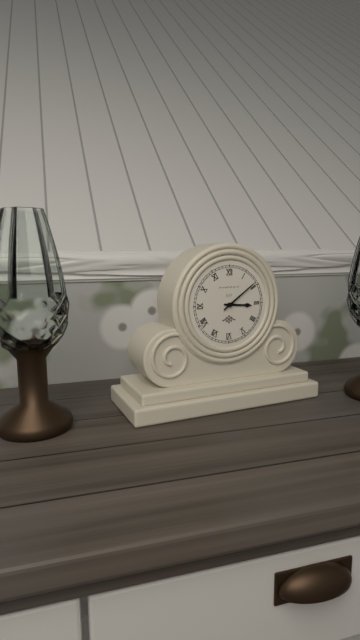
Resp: 3,09
